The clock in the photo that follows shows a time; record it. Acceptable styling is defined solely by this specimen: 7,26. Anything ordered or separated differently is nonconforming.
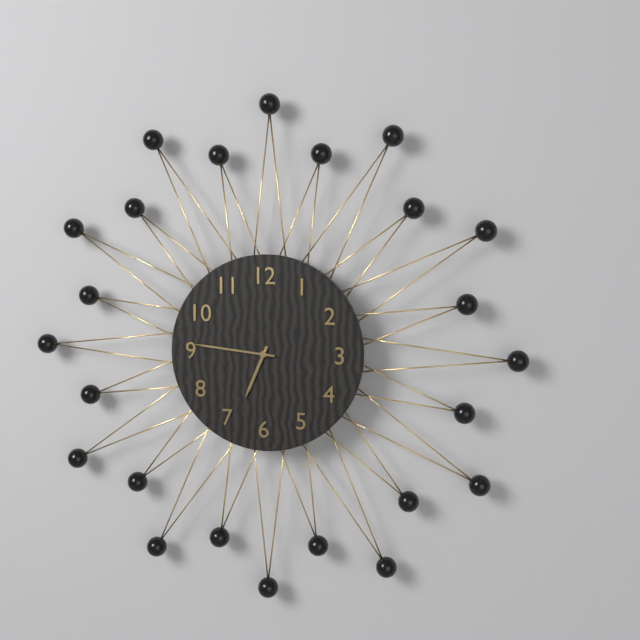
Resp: 6,46
